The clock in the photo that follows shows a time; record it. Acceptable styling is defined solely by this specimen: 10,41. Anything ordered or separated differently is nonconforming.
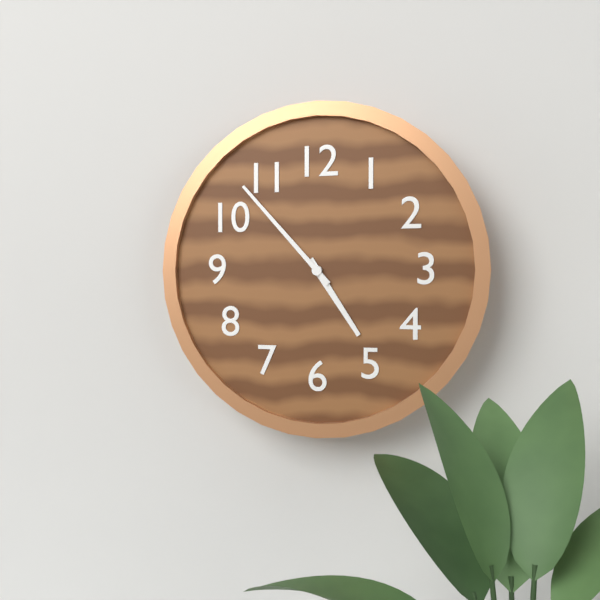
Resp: 4,53
